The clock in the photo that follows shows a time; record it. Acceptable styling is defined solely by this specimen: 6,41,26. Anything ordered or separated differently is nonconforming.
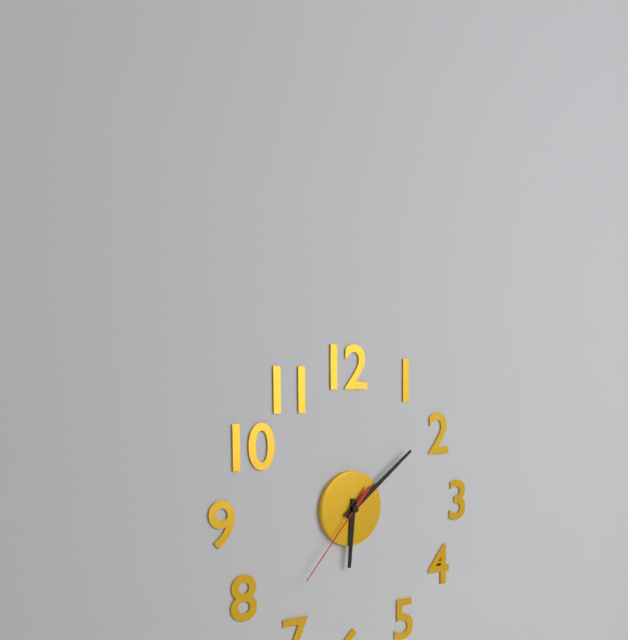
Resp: 6,09,37
